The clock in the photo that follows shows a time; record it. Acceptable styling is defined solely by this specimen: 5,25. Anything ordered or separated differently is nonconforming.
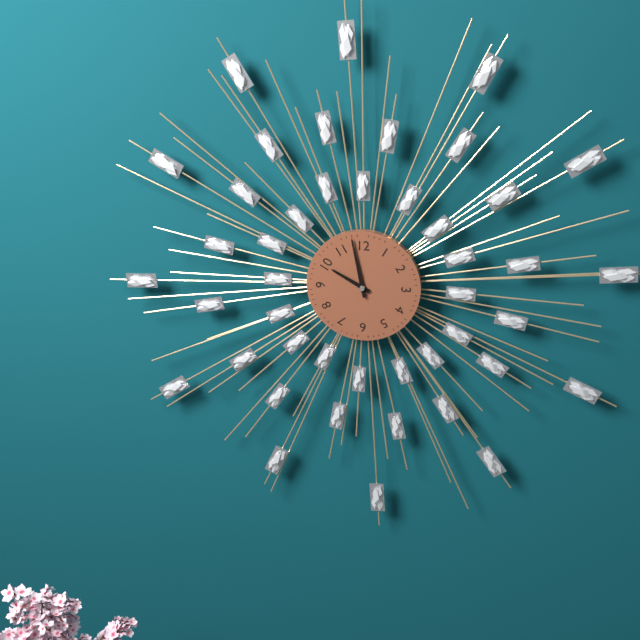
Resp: 9,58
